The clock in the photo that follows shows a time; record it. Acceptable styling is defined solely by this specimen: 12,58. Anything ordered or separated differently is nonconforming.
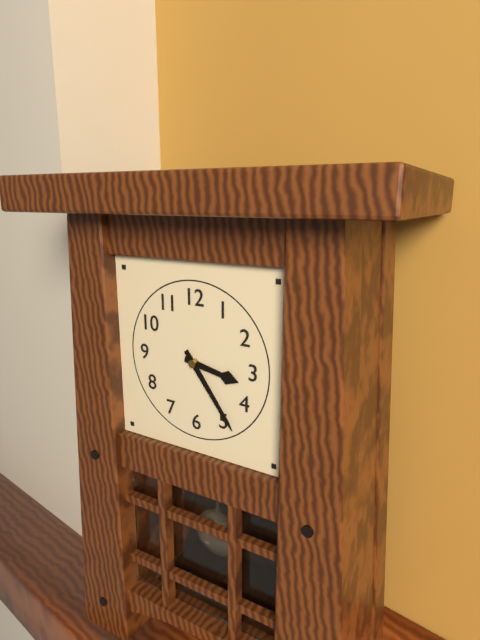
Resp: 3,24
